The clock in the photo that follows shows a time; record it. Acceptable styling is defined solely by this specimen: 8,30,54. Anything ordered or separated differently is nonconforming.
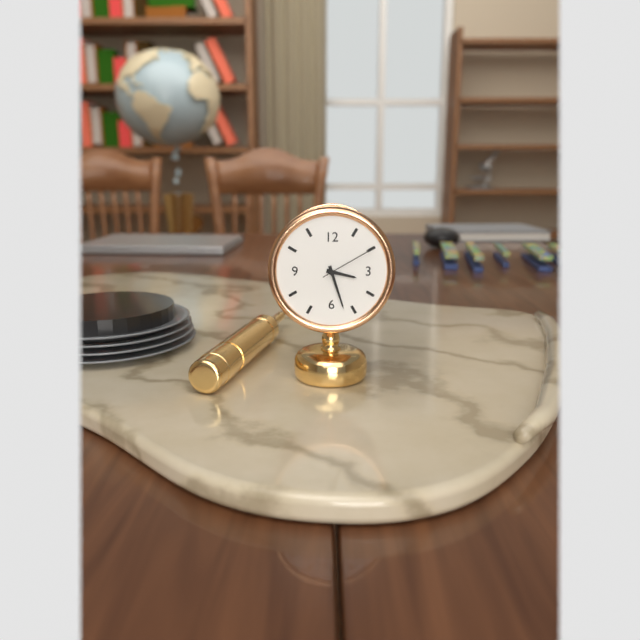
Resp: 3,27,10
